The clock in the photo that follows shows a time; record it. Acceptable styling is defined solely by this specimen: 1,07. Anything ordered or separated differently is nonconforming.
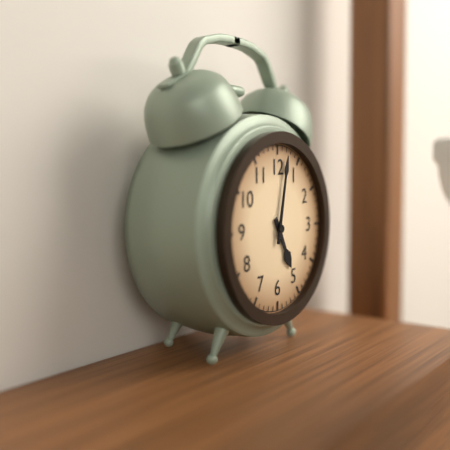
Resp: 5,02
